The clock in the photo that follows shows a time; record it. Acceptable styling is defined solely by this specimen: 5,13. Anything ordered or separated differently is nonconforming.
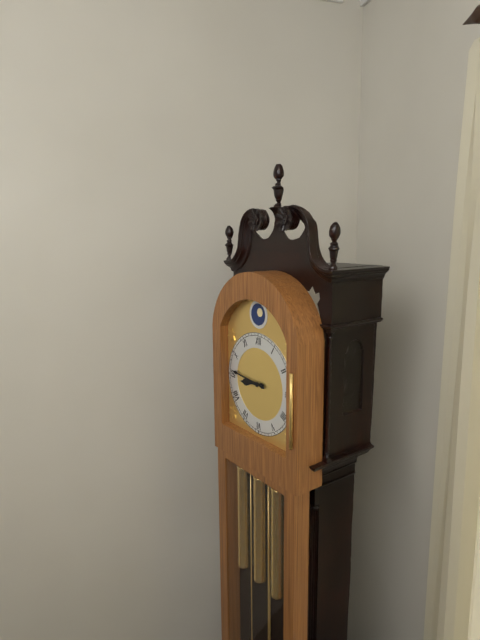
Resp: 8,46
